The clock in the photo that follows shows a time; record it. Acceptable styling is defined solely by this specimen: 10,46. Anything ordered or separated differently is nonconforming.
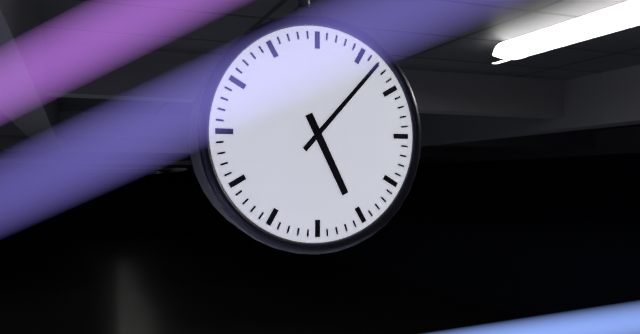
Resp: 5,07
